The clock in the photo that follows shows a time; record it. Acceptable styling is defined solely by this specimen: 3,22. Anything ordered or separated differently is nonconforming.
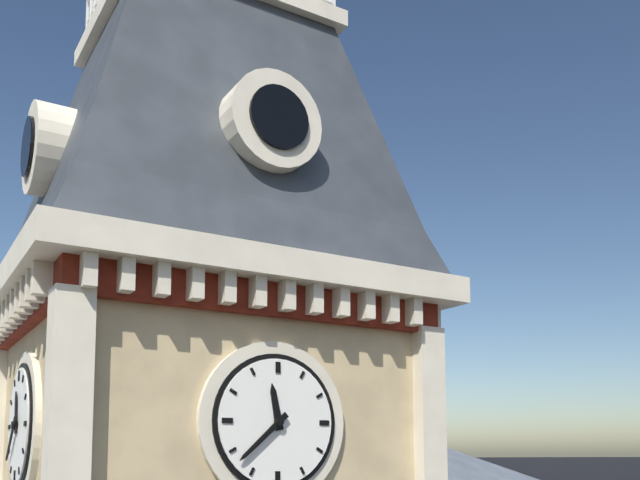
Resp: 11,38
